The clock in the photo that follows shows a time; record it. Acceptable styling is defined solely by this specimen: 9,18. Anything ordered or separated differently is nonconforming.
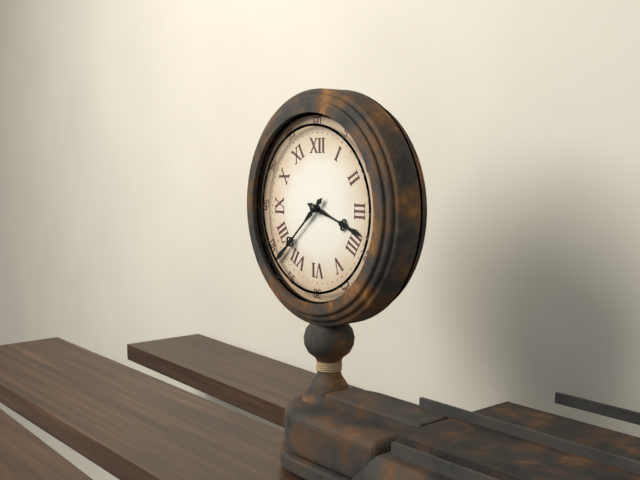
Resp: 3,38
